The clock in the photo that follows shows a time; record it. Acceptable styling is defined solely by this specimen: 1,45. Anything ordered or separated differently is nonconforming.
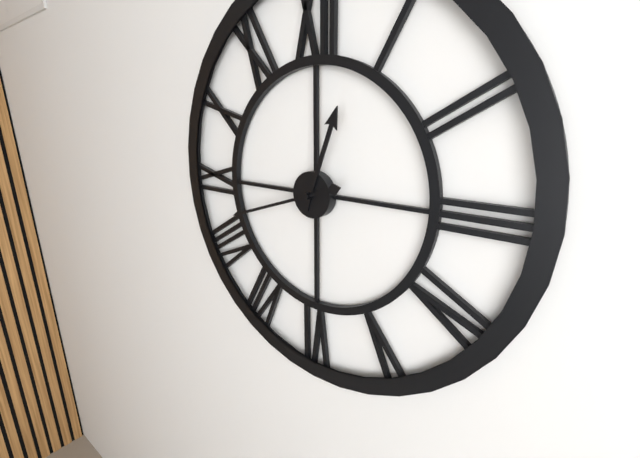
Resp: 12,42
